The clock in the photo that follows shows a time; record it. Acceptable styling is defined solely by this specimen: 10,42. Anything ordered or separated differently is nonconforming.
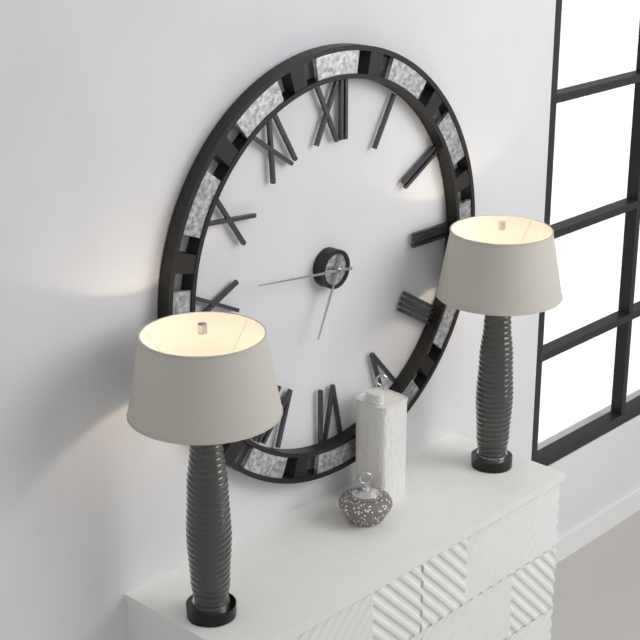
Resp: 6,46
